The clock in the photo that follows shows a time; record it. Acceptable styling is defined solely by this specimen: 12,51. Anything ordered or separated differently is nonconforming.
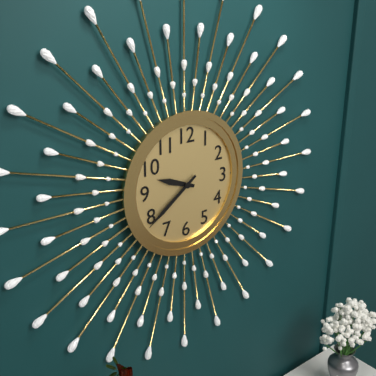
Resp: 9,39
